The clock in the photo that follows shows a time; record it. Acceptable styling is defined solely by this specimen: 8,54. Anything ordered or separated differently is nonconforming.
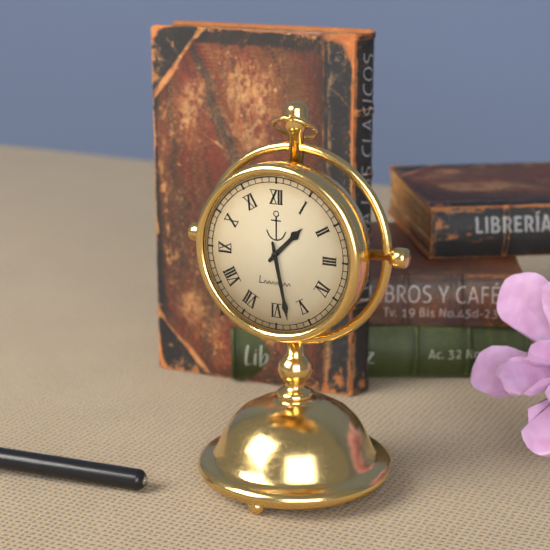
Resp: 1,28
